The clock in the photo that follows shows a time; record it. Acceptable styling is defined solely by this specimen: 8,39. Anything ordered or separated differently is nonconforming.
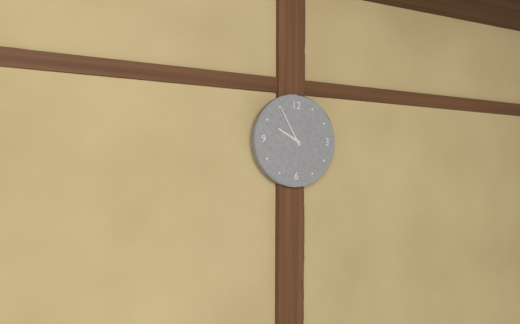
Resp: 9,55
